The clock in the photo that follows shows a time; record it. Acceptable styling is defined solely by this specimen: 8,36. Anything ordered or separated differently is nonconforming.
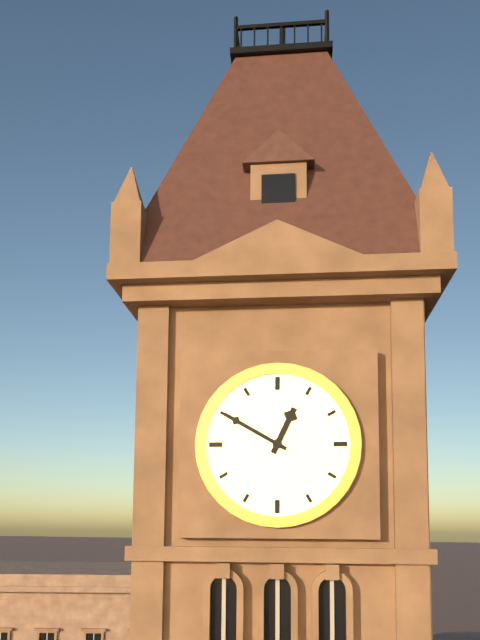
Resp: 12,50
